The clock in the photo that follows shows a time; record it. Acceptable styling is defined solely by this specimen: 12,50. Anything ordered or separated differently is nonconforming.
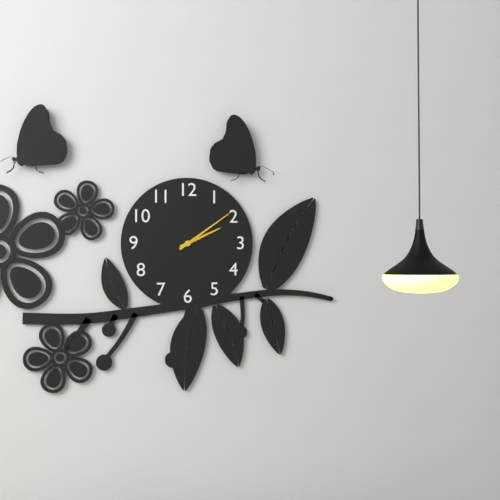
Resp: 2,09
